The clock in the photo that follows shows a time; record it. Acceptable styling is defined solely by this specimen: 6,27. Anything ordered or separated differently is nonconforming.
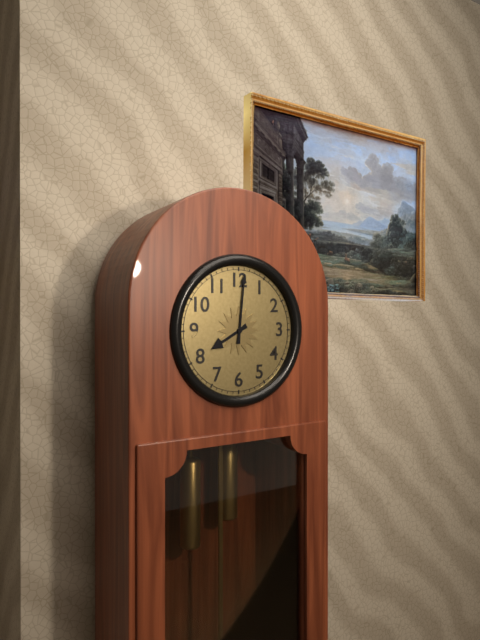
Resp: 8,01
